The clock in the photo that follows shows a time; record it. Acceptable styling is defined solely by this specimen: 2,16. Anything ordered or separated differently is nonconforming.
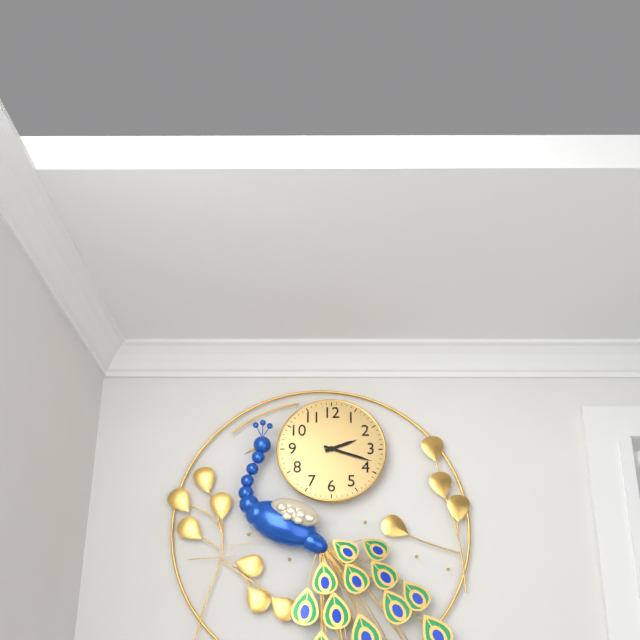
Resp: 2,18
